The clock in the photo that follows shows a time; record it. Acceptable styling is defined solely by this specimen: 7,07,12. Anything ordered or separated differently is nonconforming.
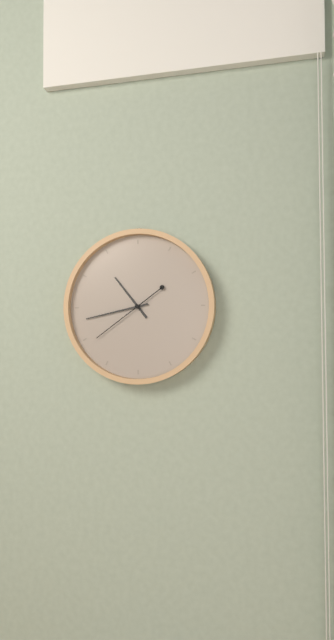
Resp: 10,43,39
